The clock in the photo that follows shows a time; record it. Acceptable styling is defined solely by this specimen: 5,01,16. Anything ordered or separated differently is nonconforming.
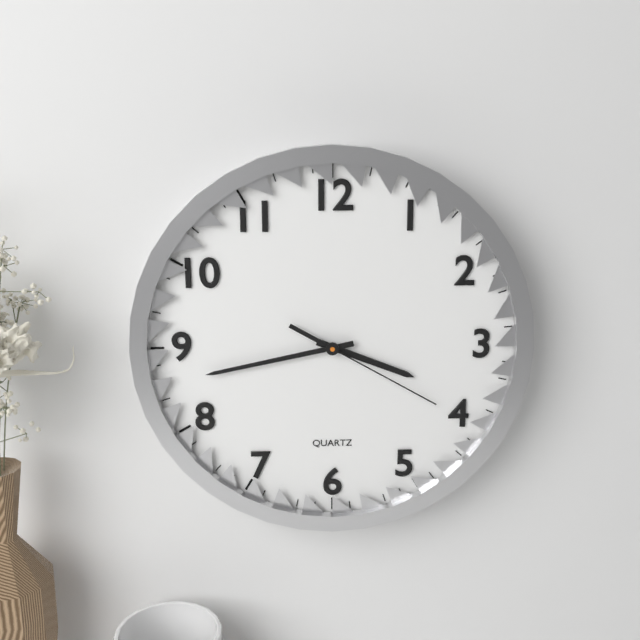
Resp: 3,43,20
